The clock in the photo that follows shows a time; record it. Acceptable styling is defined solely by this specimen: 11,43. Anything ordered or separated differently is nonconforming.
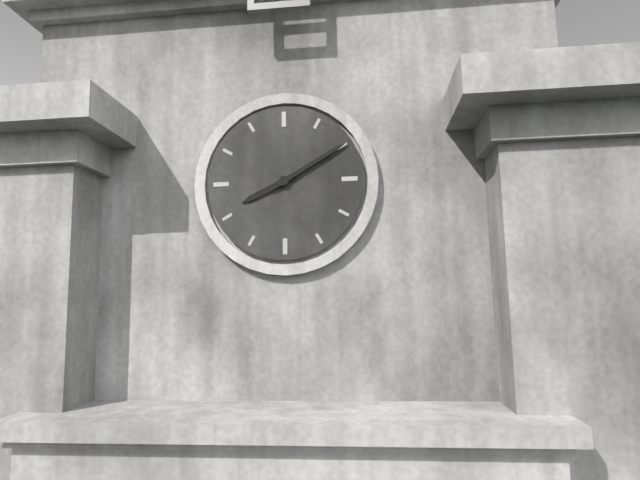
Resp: 8,10
